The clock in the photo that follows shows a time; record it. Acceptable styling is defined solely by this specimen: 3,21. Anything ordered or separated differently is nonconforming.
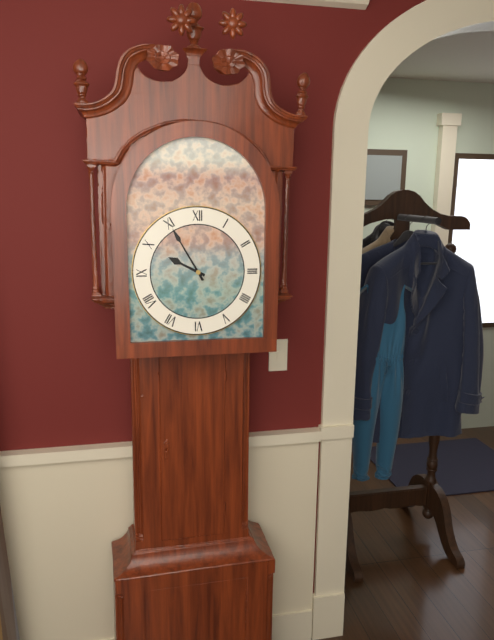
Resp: 9,55
